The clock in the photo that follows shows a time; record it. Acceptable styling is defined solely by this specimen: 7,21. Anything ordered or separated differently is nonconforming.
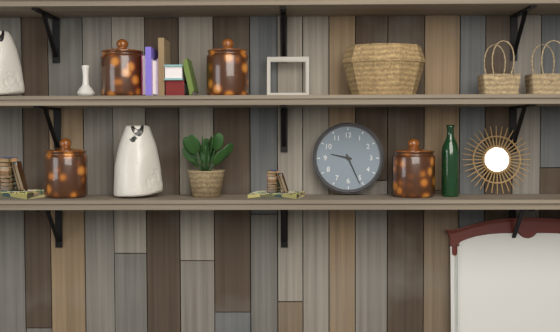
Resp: 9,26
